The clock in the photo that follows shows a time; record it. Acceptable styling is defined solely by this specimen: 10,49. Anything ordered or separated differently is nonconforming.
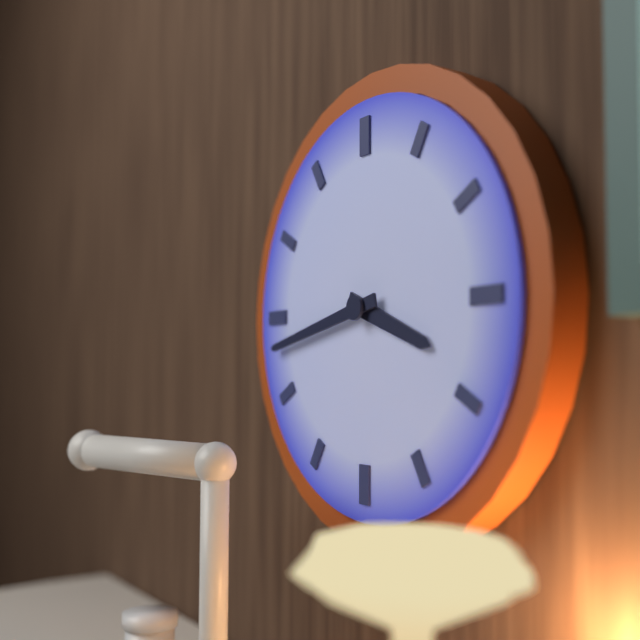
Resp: 3,43
